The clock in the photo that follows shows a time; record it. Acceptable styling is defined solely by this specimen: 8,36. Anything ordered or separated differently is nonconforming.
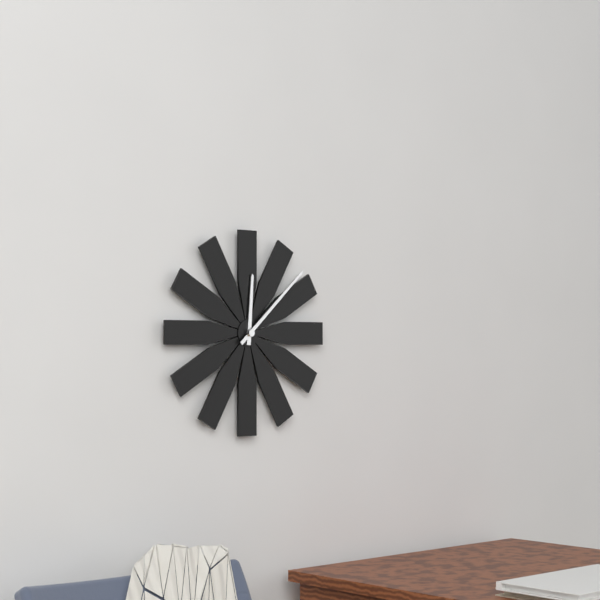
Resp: 12,08
